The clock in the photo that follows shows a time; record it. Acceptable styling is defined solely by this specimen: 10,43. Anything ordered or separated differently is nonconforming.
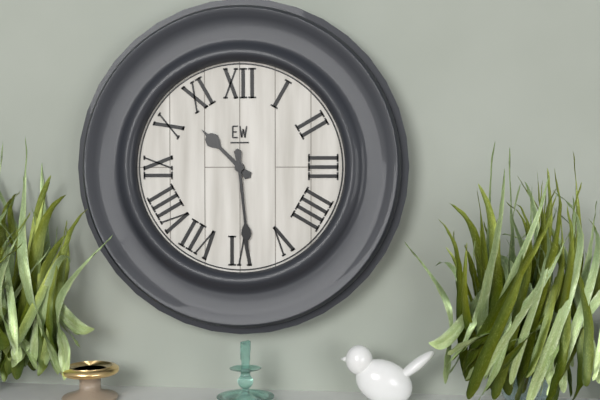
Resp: 10,29
